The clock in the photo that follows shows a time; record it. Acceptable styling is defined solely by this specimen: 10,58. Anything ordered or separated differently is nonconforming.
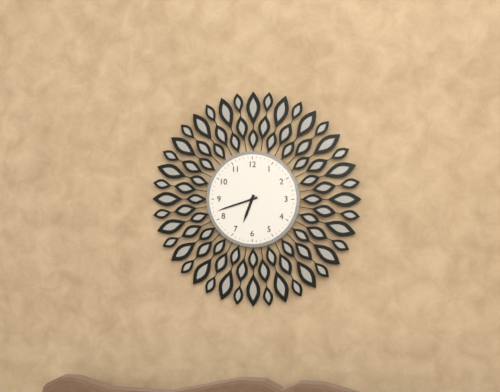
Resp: 6,42
